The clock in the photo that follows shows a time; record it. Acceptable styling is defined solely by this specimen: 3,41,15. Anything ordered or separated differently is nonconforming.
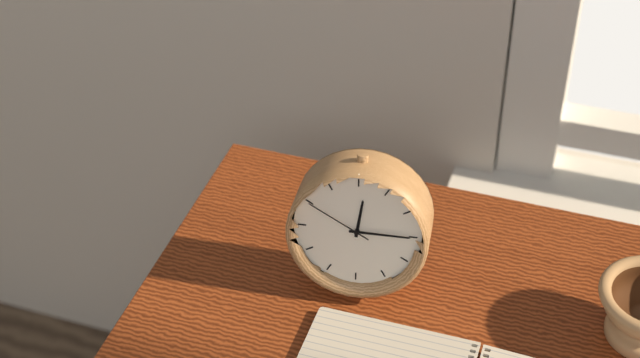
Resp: 12,15,50
